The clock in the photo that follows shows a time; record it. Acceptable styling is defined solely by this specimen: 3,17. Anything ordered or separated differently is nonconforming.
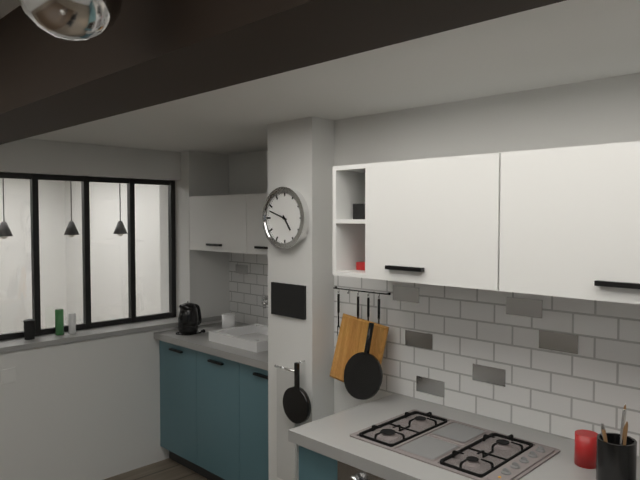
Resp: 4,48
